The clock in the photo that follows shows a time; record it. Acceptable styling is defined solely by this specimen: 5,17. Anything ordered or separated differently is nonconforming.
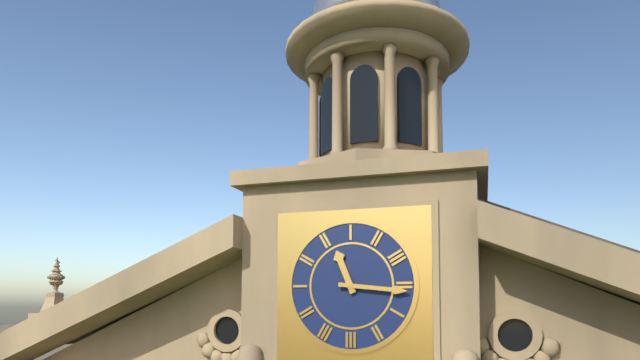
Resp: 11,16
